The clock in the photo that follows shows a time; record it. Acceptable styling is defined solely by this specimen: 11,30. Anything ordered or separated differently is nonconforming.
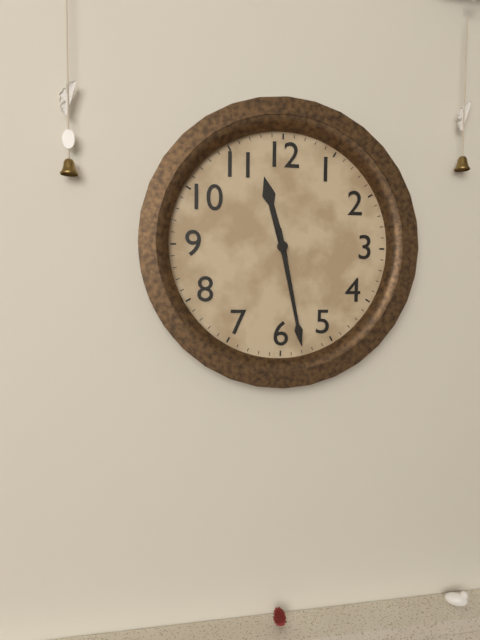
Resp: 11,28
